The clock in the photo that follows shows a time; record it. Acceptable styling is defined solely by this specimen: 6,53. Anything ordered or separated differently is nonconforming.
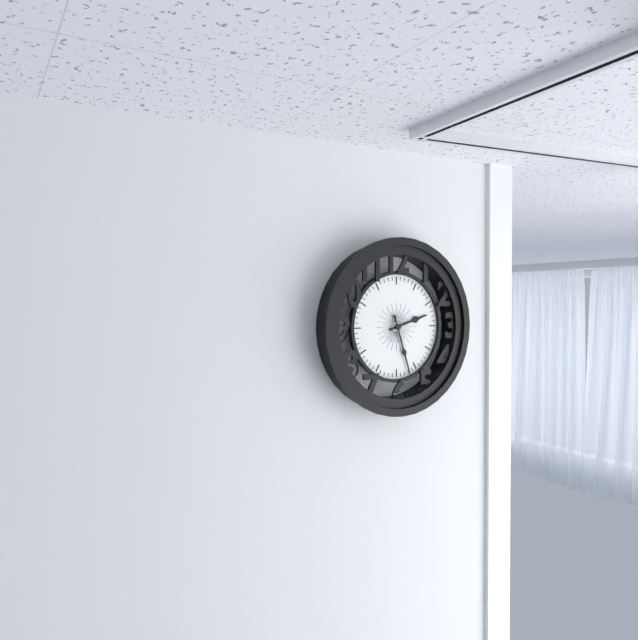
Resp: 2,27
